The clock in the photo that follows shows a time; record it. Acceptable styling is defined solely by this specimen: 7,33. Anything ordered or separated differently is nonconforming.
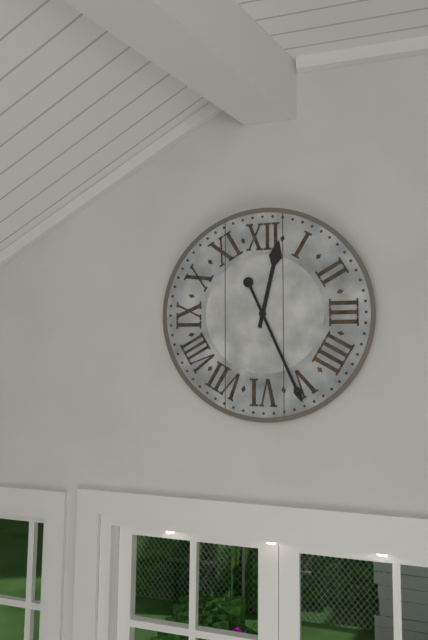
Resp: 12,26
